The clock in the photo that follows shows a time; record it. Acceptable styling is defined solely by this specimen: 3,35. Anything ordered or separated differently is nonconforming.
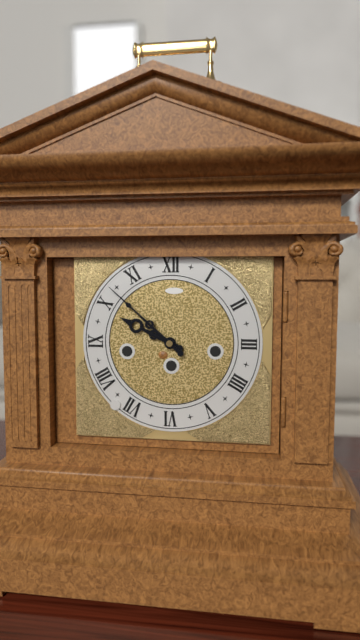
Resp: 9,52
